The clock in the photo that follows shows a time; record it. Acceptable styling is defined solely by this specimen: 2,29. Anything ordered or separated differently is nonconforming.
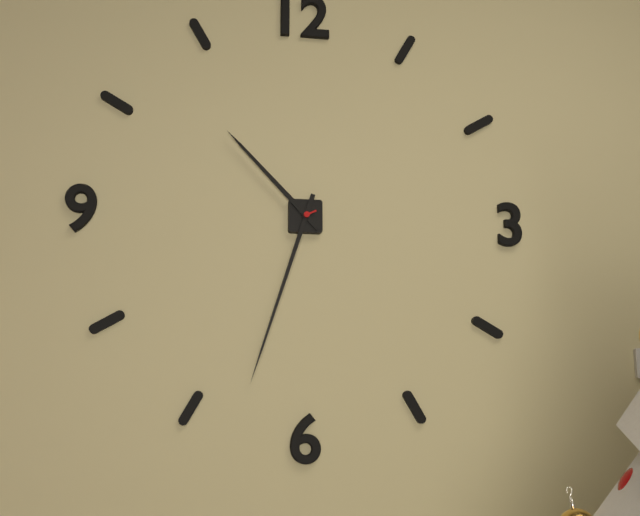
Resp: 10,33
